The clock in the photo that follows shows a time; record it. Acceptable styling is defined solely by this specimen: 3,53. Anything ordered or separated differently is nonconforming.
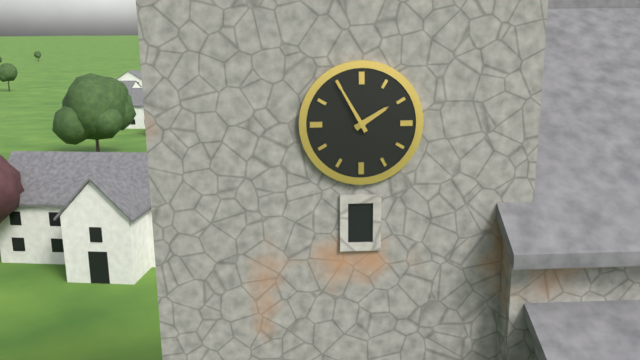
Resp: 1,55
